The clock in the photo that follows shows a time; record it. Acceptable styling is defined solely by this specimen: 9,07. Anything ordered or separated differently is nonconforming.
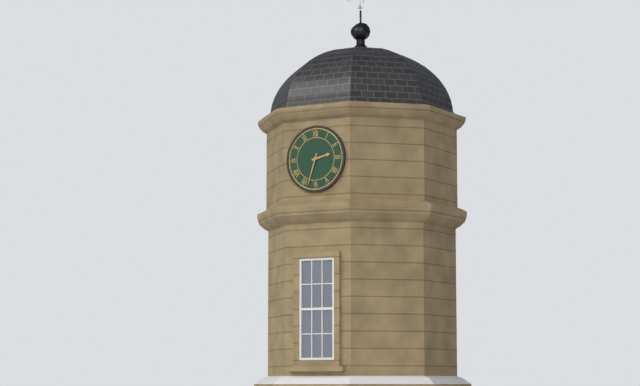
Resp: 2,33
